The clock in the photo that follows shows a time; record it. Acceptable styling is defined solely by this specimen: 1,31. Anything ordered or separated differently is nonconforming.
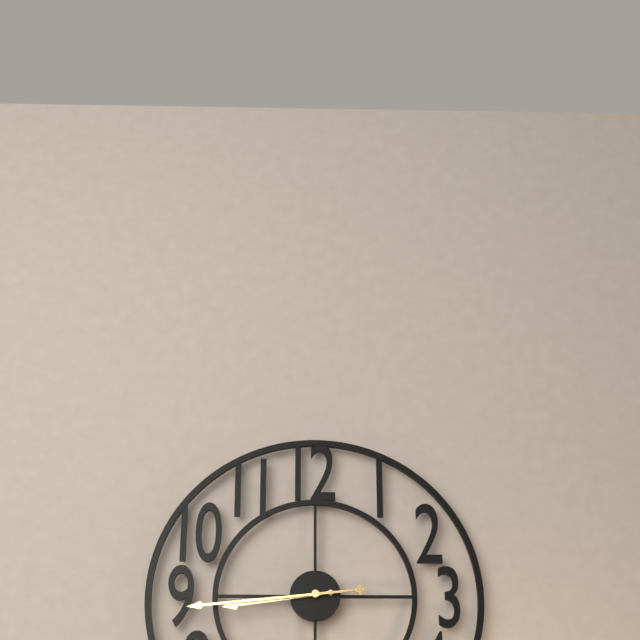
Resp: 8,44
